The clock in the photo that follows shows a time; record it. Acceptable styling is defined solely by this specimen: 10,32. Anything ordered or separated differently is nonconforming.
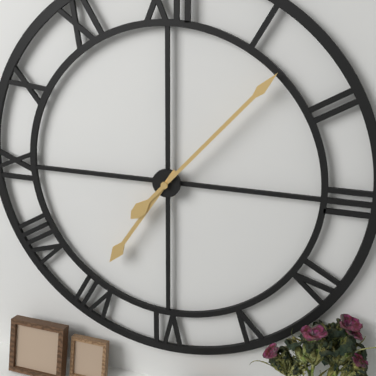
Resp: 7,07
